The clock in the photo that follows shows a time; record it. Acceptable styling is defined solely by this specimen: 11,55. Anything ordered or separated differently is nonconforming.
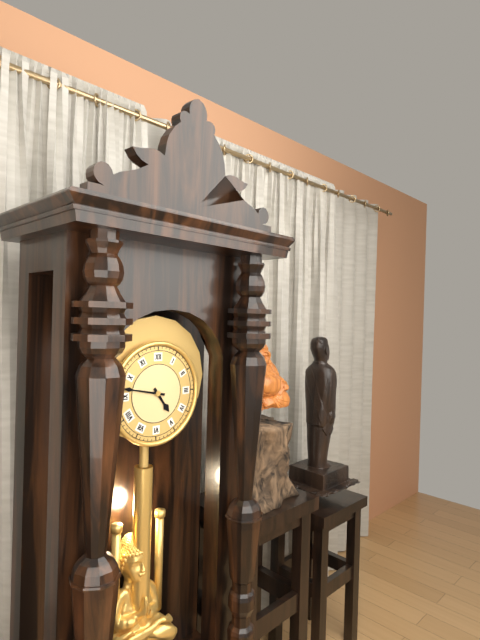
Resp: 4,47
